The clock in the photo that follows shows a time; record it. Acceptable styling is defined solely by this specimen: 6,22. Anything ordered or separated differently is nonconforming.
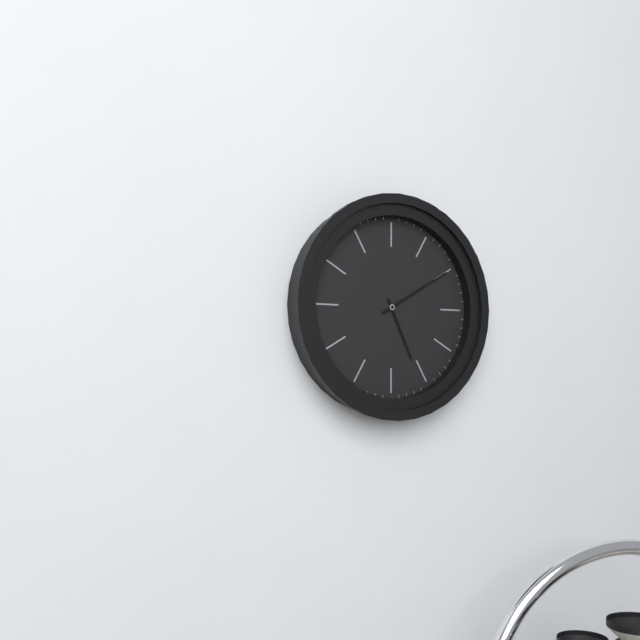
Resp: 5,10
